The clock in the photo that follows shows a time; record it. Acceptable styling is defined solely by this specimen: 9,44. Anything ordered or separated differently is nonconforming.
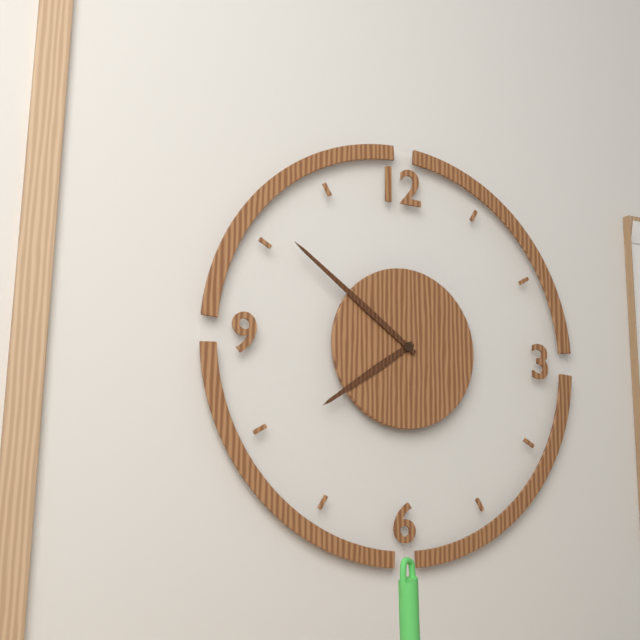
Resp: 7,51
